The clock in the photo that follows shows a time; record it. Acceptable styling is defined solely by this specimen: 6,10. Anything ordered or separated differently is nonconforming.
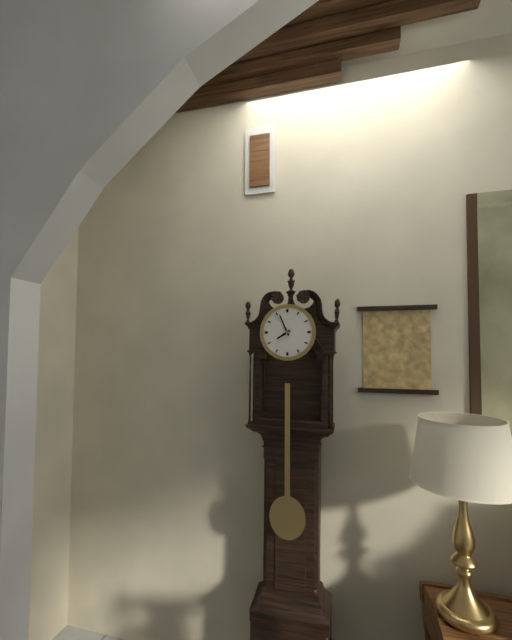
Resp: 7,56
